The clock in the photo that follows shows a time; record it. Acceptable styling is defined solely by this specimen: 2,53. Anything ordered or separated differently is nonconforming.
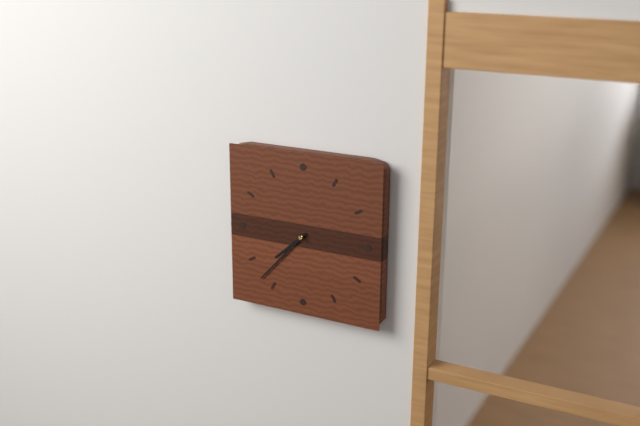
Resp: 7,37
